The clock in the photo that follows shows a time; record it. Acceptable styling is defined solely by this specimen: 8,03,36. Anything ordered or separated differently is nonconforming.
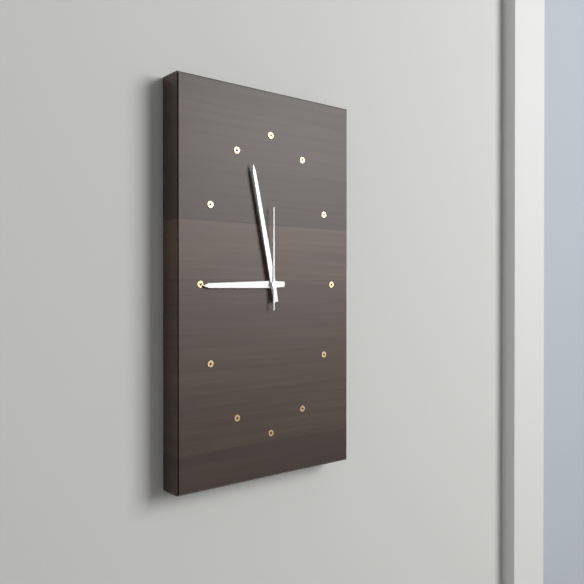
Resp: 8,58,00
